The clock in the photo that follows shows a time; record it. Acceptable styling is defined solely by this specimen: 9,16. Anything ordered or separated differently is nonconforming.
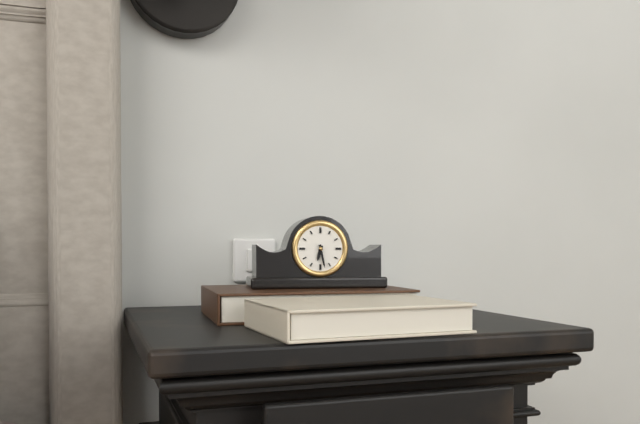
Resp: 6,28
